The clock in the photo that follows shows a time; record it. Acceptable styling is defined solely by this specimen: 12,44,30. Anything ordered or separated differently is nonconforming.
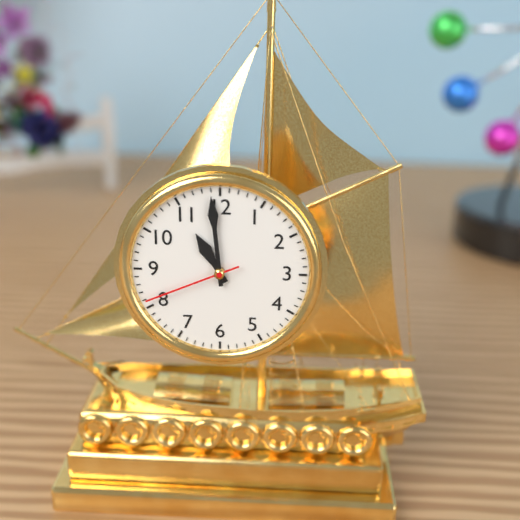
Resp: 10,59,41
